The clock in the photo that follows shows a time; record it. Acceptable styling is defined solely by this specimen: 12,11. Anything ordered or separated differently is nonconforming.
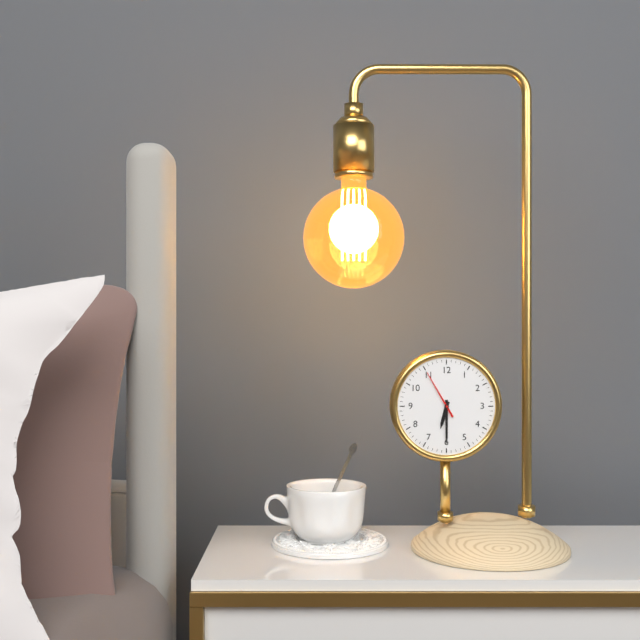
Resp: 6,30
